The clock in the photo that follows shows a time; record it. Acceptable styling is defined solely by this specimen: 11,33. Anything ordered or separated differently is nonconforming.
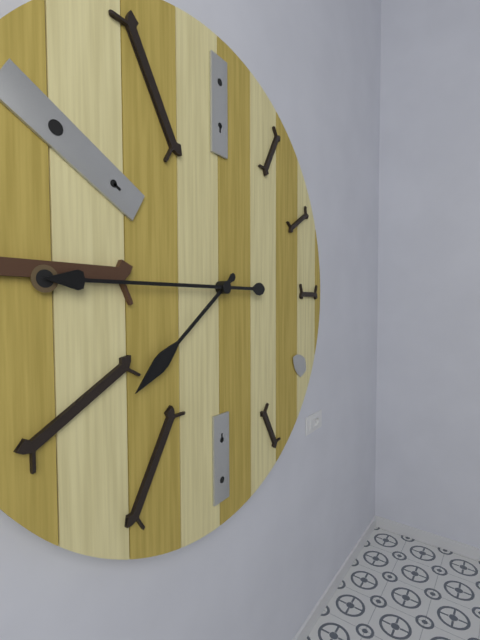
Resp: 7,45
